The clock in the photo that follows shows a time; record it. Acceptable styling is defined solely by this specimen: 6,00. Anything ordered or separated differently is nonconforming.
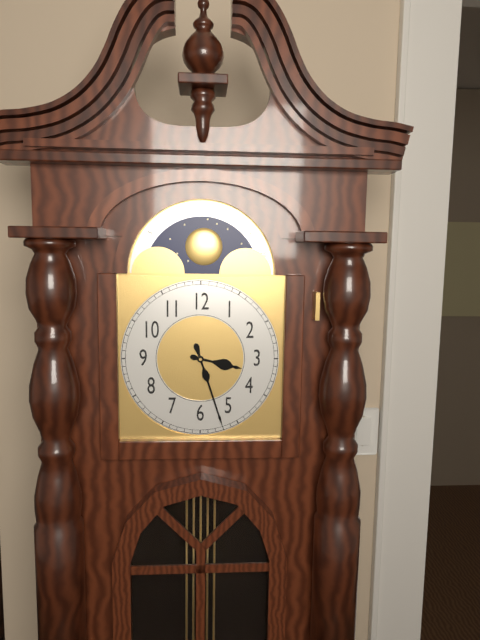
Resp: 3,27
